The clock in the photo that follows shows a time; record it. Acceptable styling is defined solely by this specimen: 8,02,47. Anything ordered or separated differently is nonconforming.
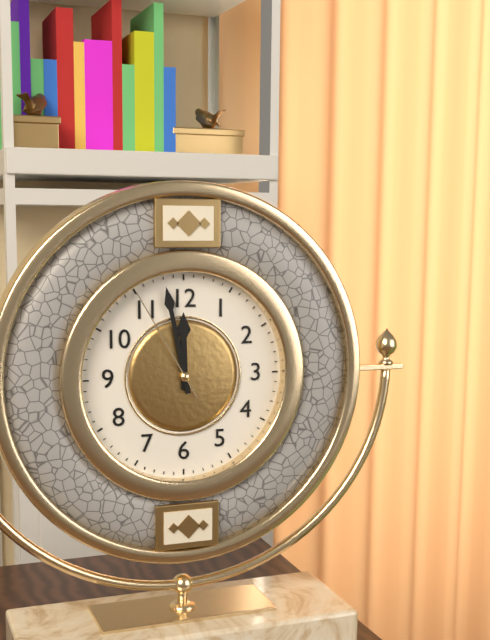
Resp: 11,58,55
